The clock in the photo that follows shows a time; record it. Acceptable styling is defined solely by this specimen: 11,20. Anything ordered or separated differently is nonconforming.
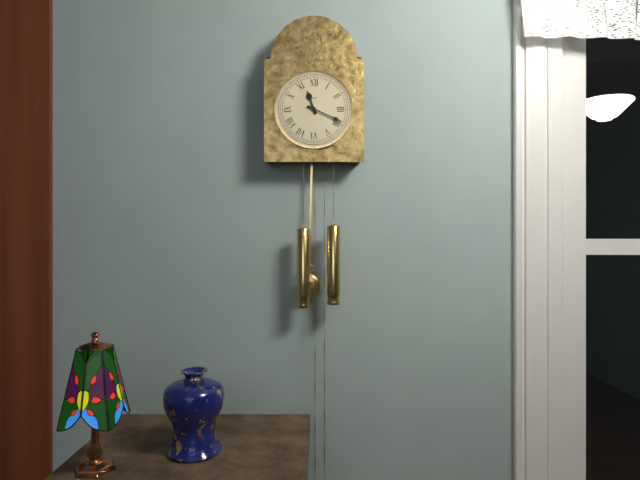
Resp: 11,19
